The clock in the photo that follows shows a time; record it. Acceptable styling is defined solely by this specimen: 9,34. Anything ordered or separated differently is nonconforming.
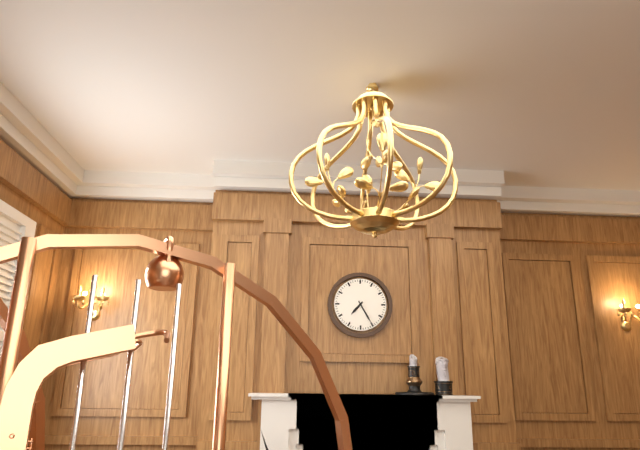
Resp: 7,25
